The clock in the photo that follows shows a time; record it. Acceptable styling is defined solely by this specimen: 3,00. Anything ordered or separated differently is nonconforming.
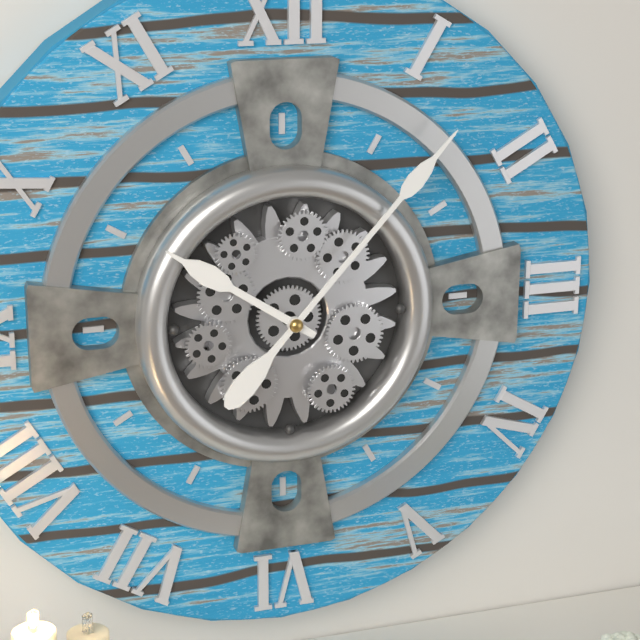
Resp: 10,07
